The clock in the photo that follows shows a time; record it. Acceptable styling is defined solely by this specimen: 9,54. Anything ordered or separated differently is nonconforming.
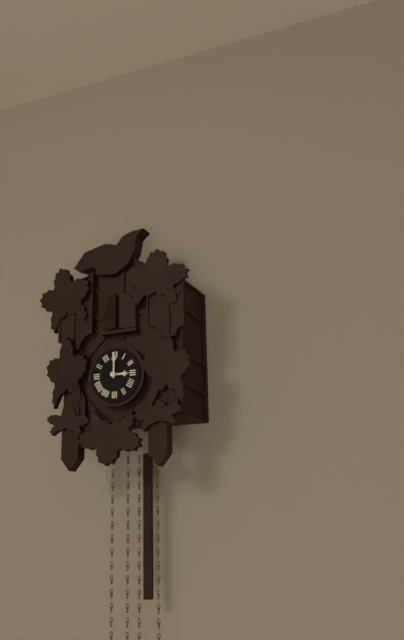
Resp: 3,00
